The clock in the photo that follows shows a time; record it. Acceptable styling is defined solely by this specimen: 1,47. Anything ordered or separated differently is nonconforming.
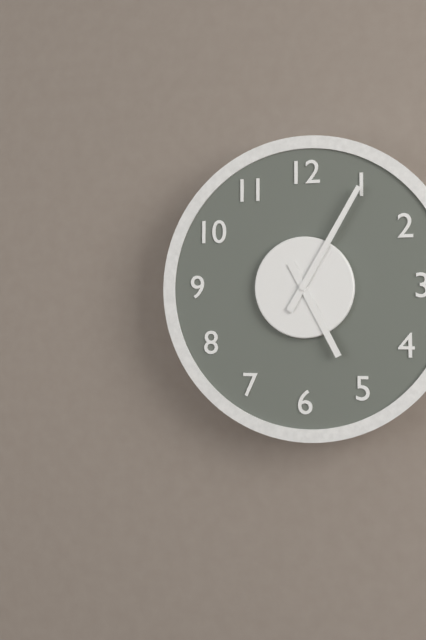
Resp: 5,05
